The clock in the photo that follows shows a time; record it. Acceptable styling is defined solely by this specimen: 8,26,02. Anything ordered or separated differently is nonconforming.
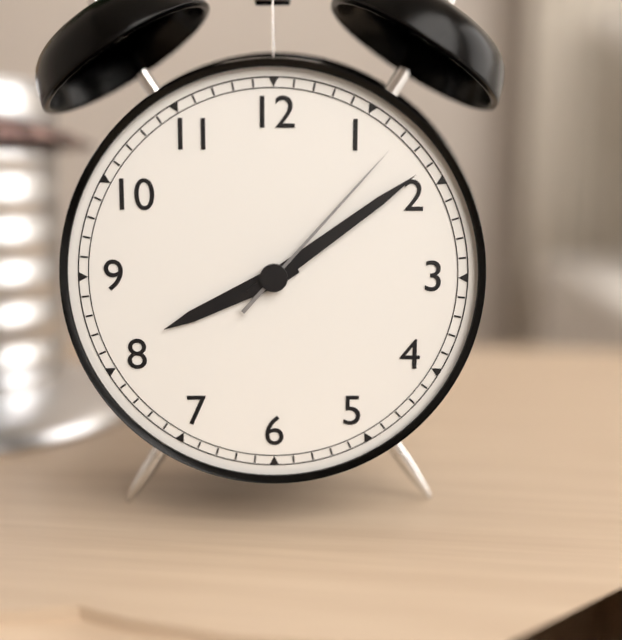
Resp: 8,09,07
